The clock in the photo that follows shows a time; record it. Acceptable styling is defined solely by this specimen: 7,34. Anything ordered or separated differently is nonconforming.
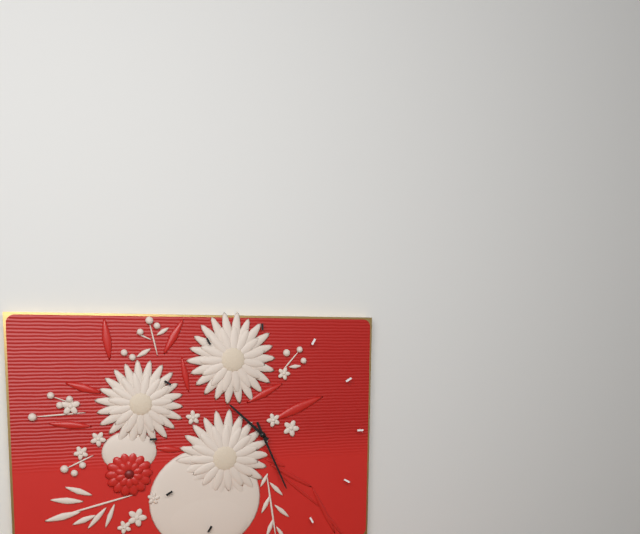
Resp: 10,26
